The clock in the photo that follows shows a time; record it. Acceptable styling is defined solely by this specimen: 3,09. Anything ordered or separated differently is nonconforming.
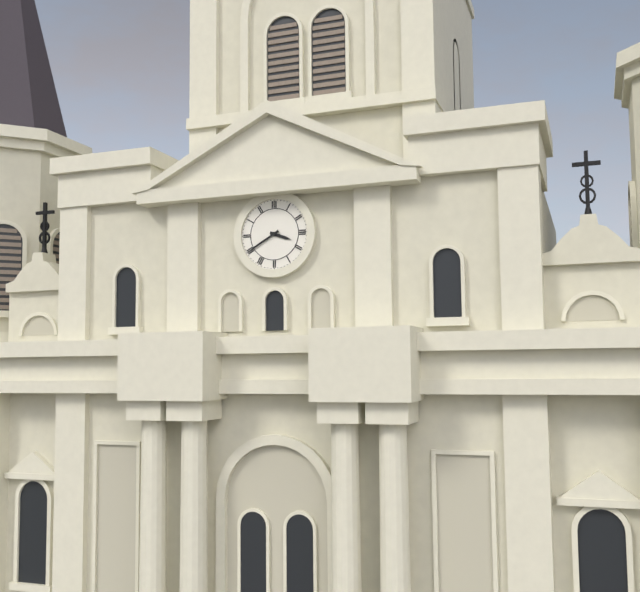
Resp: 3,40
